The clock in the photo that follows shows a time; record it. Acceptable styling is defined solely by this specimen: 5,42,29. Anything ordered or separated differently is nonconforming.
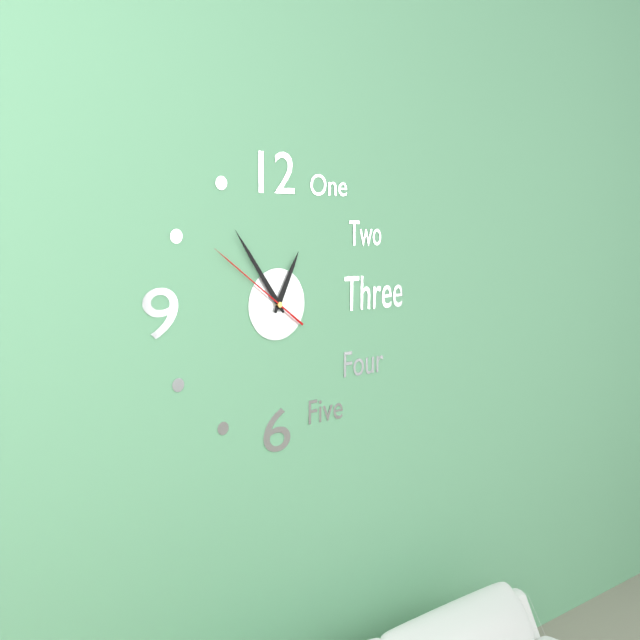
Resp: 12,54,51
